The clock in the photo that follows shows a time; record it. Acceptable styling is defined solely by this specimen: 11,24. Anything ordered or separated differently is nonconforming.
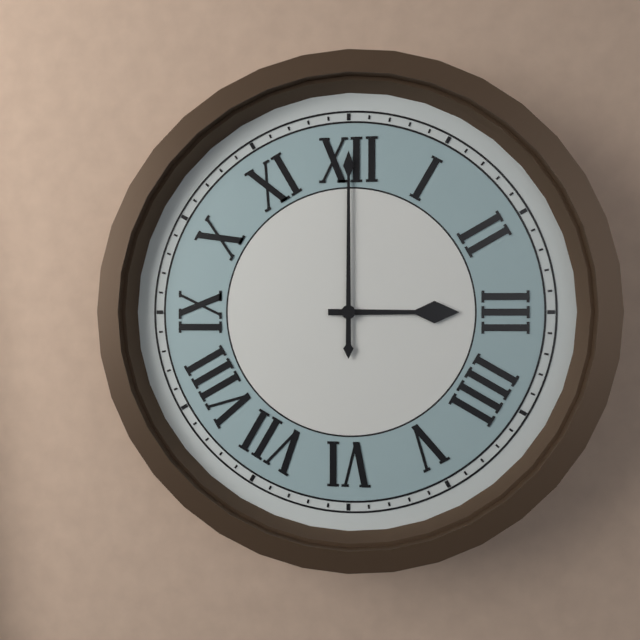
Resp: 3,00
